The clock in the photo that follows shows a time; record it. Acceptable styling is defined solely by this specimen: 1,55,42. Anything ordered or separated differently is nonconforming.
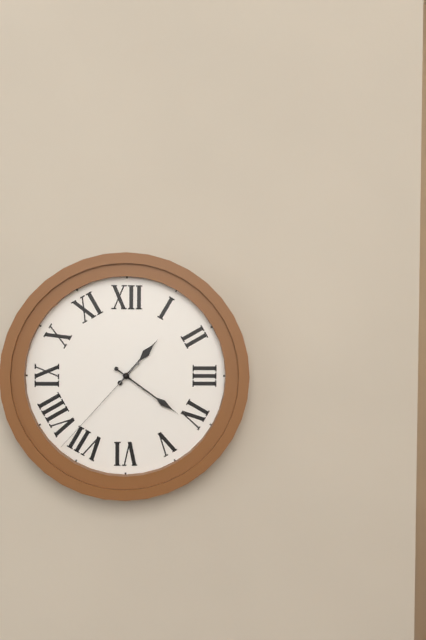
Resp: 1,21,37
